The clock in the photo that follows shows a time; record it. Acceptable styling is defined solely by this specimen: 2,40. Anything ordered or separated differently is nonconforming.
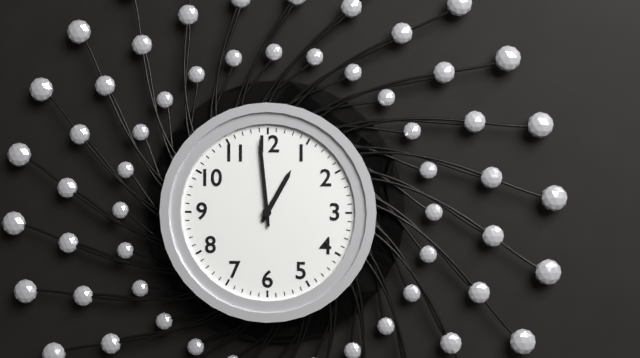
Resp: 12,59
